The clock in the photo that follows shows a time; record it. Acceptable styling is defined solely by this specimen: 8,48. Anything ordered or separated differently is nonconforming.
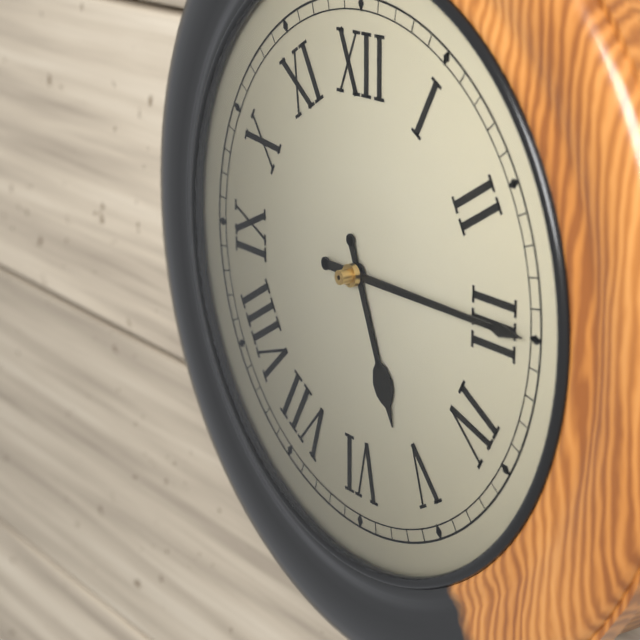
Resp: 5,15
